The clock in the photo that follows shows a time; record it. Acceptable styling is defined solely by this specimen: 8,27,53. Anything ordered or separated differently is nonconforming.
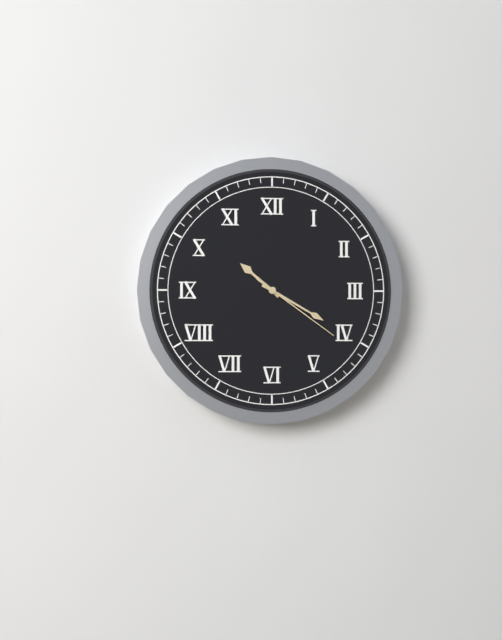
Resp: 10,20,21
